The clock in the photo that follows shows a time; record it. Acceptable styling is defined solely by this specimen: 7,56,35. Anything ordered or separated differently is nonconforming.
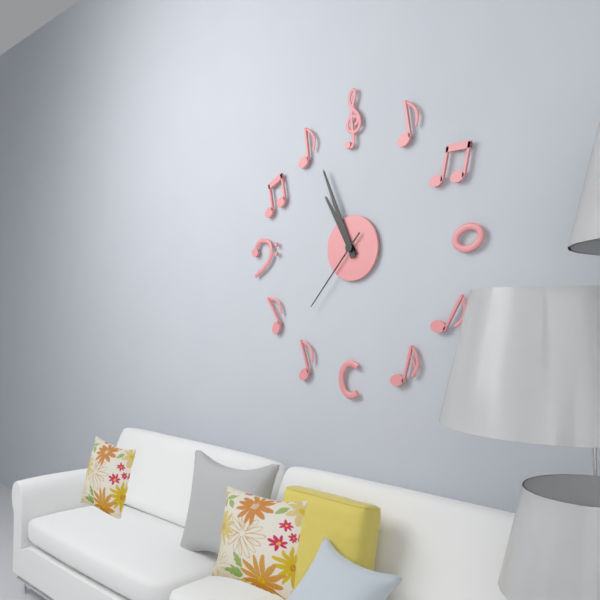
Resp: 10,56,37
